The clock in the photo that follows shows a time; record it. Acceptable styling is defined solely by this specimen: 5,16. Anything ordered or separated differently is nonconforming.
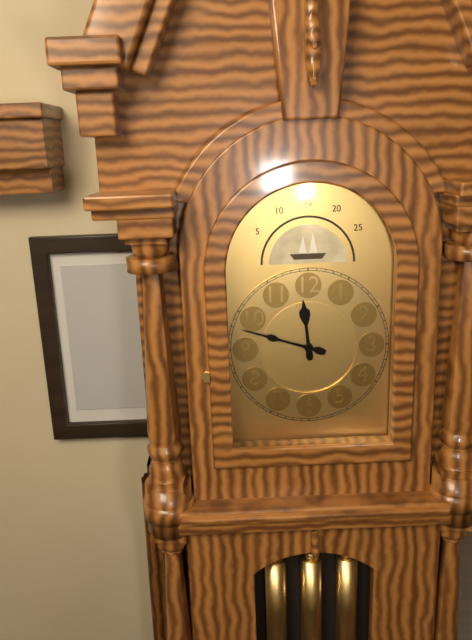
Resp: 11,48
